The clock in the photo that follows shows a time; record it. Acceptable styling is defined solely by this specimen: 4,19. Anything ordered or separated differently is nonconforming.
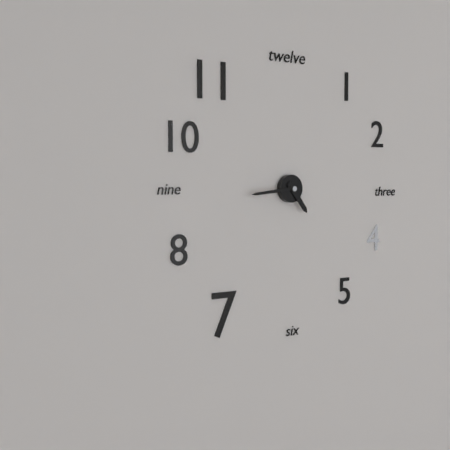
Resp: 4,44
